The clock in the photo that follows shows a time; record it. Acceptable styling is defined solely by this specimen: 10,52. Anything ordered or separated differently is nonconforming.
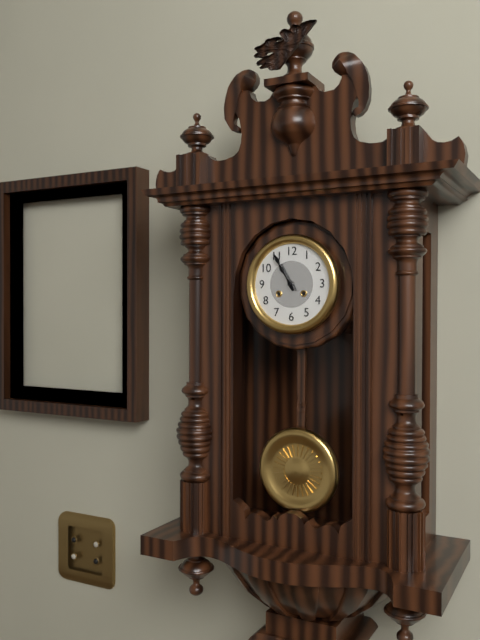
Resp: 10,55
